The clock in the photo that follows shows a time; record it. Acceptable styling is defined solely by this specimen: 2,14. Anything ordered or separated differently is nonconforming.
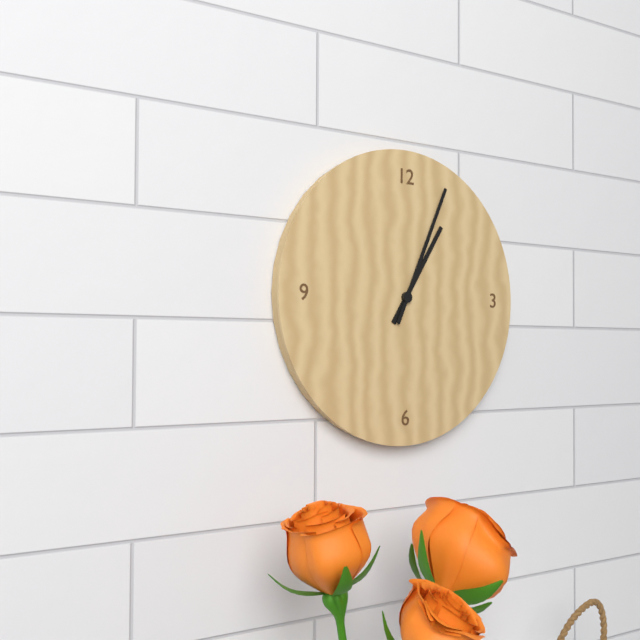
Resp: 1,04
